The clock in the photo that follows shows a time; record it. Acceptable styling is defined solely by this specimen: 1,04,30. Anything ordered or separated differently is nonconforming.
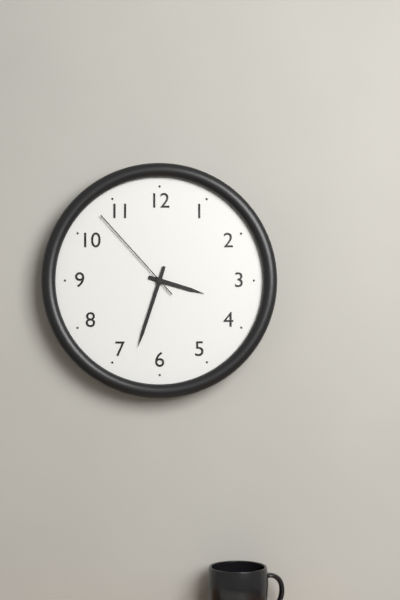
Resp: 3,33,53
